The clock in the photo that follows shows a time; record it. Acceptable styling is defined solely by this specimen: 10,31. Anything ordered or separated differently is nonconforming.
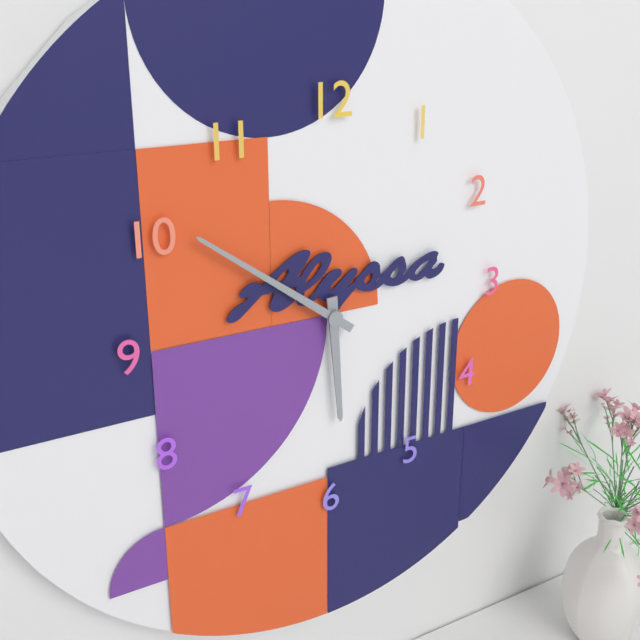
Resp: 5,51
